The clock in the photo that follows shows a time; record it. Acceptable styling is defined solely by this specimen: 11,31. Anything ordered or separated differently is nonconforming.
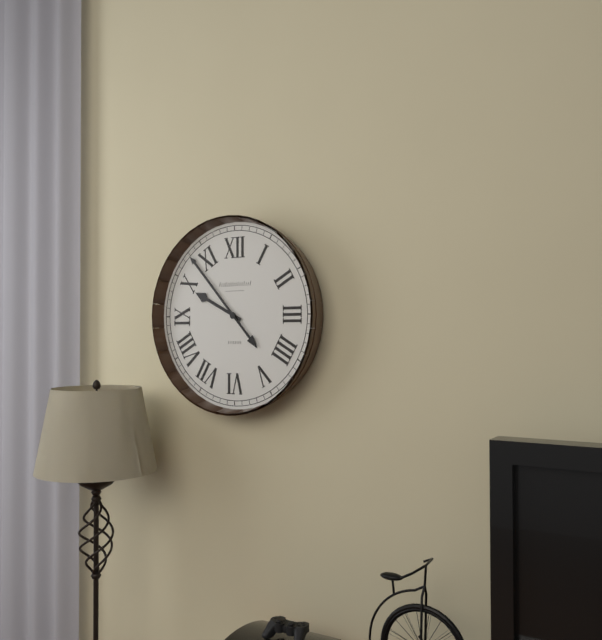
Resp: 9,53
